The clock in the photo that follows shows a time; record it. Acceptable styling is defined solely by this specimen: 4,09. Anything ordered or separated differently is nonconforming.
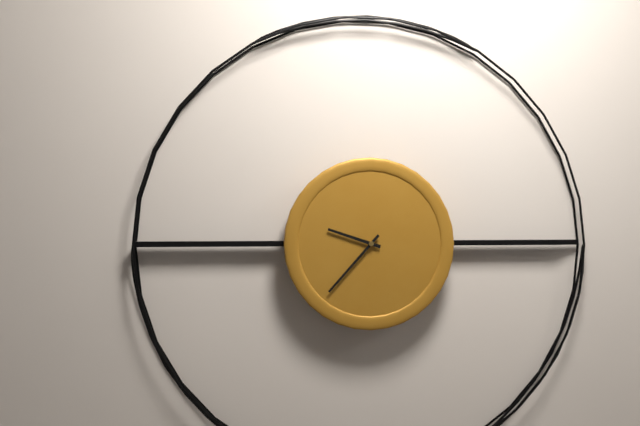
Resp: 9,37
